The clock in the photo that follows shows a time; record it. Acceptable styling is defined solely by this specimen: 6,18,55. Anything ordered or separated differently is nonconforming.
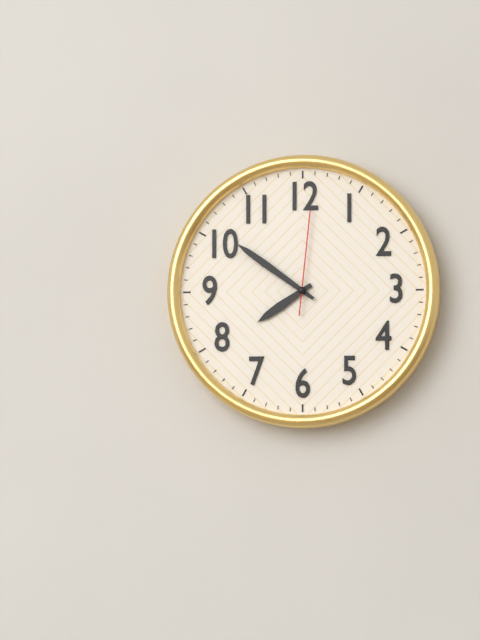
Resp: 7,51,01
